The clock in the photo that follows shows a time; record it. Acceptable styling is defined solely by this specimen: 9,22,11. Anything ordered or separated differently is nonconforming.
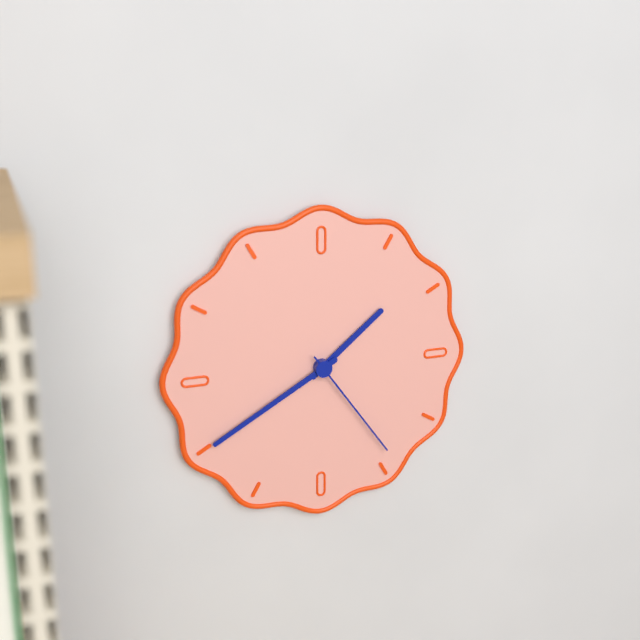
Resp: 1,40,24
